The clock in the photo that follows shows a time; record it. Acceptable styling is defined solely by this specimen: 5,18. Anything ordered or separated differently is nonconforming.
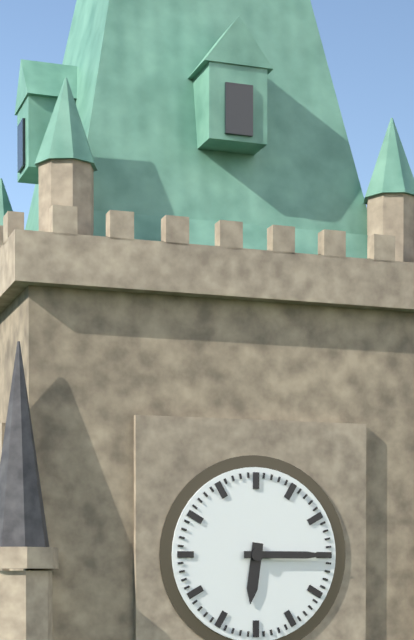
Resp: 6,15
